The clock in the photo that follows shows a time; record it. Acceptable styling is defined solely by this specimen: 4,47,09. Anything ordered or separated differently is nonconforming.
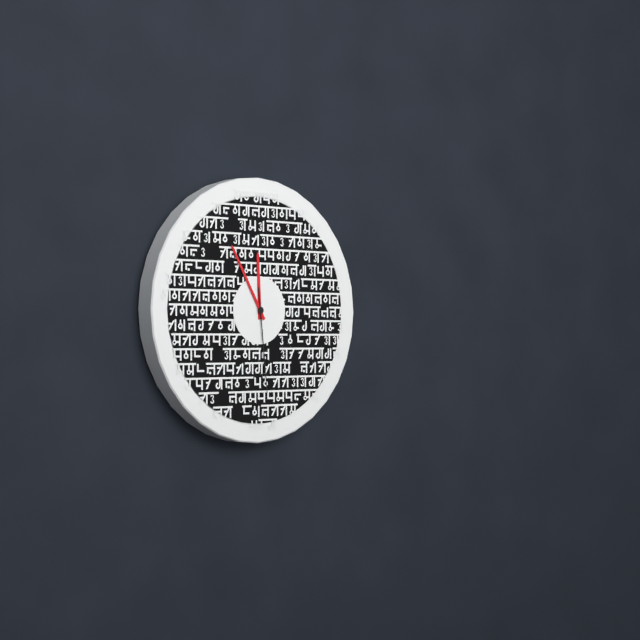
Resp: 11,55,29
